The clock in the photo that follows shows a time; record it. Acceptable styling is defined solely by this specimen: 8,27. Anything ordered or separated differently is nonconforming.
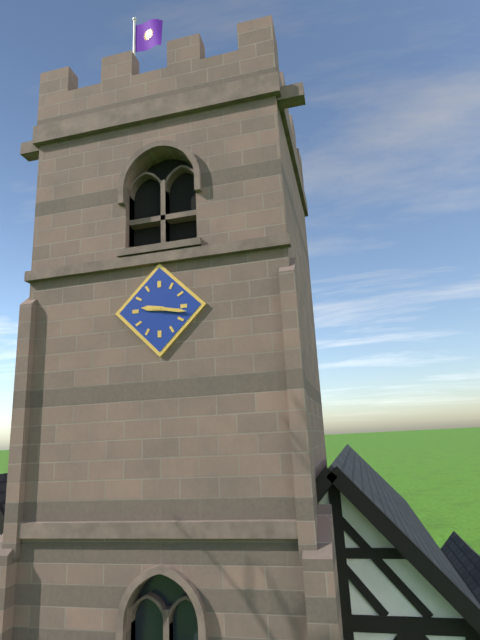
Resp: 9,17
